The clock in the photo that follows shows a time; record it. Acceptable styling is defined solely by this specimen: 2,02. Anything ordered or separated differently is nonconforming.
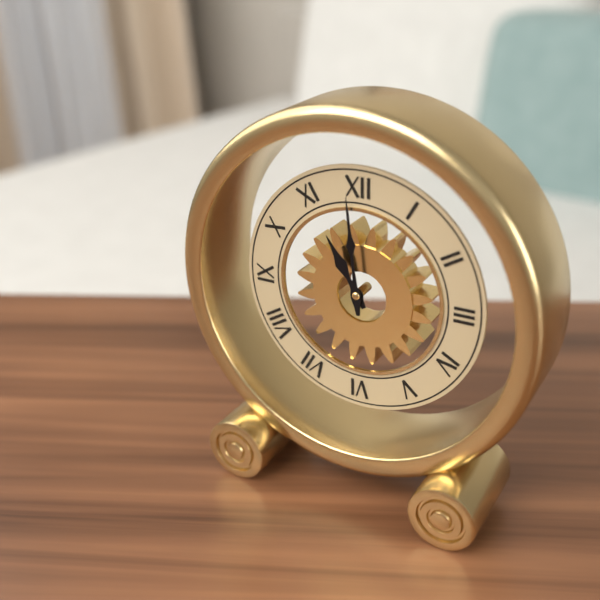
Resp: 10,59
